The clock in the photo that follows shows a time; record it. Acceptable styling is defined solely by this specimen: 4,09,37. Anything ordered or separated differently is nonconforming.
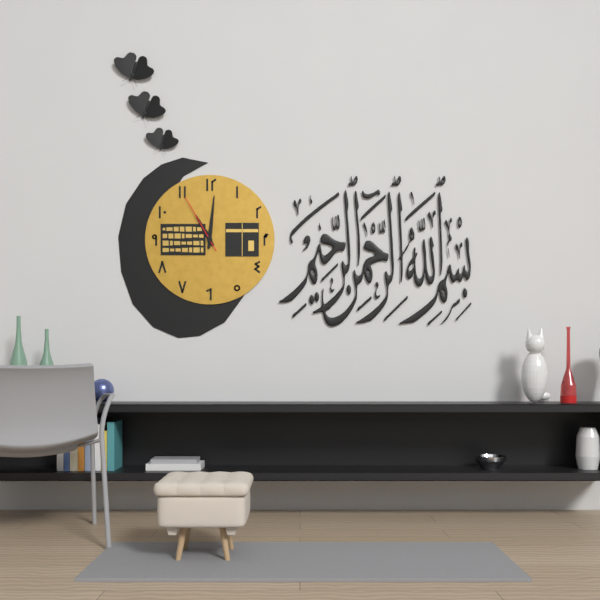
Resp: 11,01,55
